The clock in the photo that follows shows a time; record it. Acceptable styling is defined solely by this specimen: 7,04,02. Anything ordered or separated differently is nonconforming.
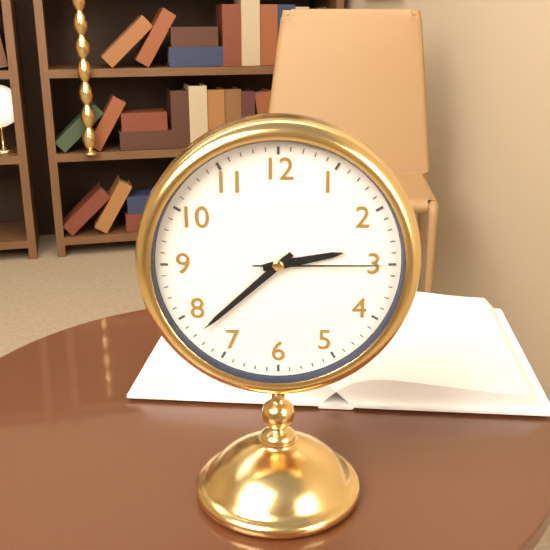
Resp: 2,38,15
